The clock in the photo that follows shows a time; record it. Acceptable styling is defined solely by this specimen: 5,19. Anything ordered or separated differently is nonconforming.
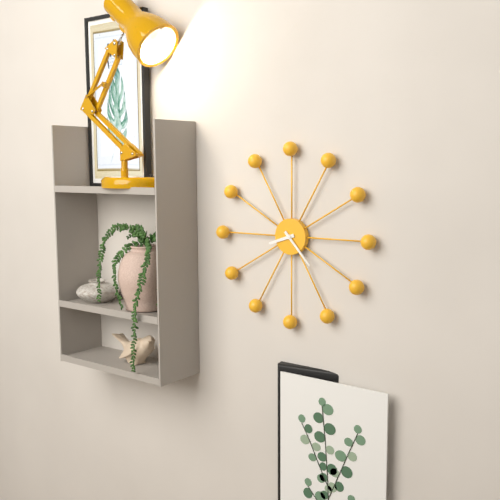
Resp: 8,23
